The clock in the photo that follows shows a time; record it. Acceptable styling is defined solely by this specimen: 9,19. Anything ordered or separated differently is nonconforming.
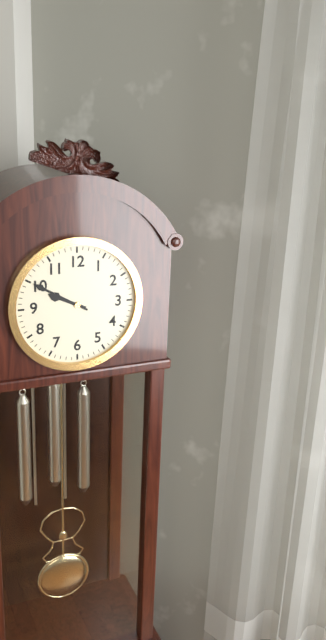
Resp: 9,50
